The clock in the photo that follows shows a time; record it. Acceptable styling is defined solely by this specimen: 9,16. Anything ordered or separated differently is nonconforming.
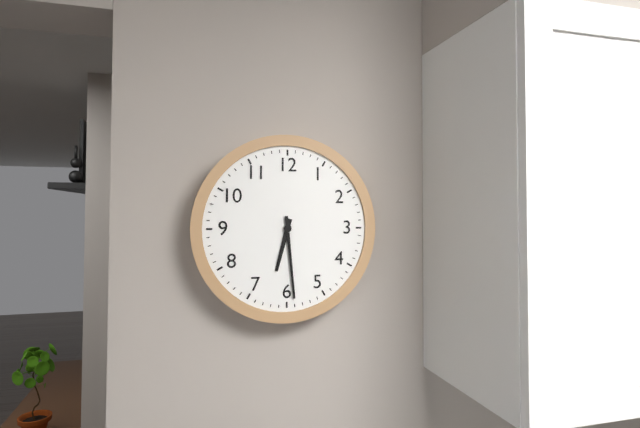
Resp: 6,29
